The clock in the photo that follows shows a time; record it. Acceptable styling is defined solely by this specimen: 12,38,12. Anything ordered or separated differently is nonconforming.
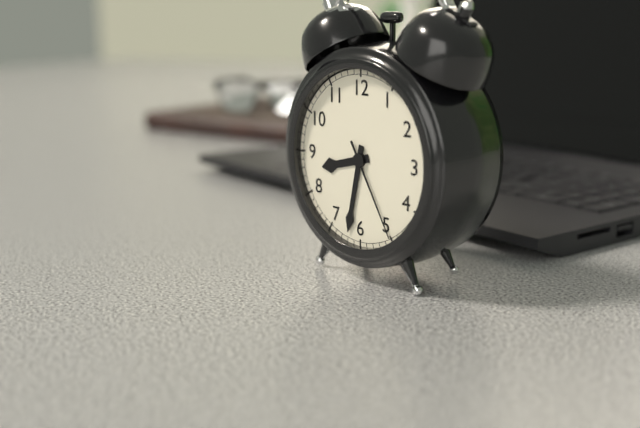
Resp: 8,32,25
